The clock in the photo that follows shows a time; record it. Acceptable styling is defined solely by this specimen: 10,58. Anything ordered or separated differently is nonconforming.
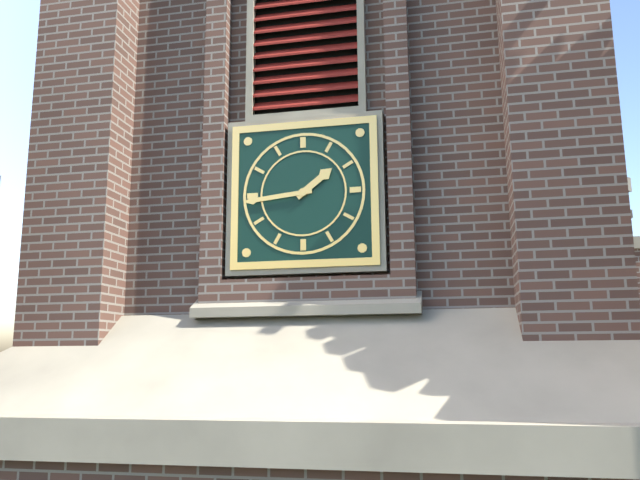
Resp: 1,44
